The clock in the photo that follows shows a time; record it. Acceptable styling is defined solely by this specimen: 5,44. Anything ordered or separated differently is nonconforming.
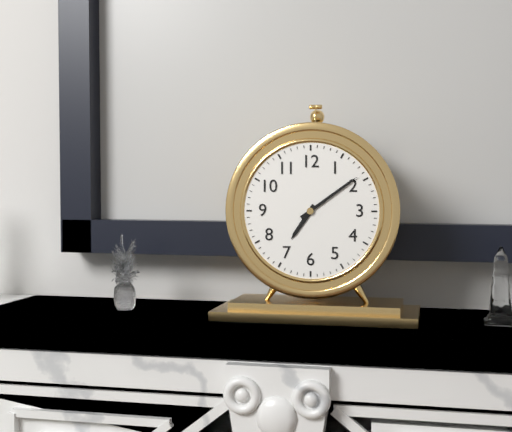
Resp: 7,09
